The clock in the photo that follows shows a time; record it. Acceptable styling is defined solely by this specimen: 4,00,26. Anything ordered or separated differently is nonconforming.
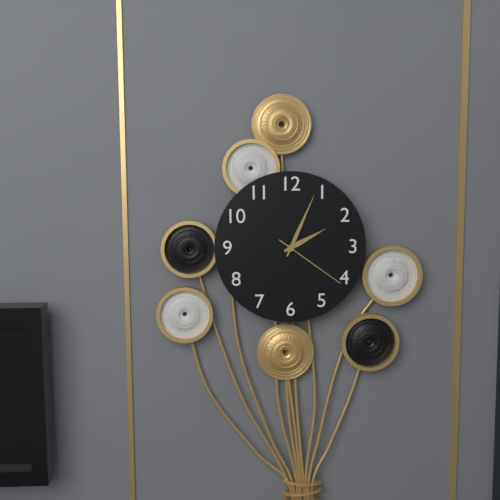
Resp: 2,04,21
